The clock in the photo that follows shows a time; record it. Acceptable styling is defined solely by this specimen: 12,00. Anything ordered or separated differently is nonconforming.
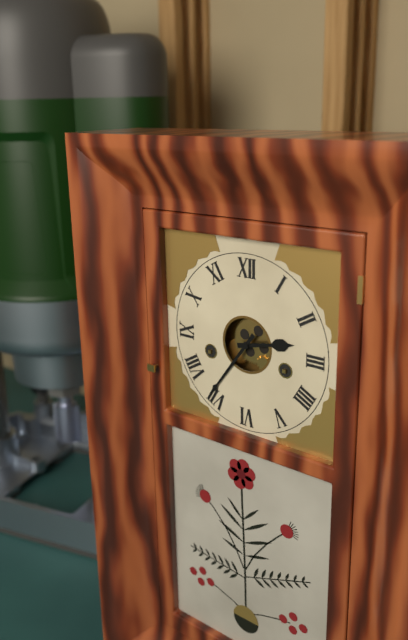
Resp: 2,36
